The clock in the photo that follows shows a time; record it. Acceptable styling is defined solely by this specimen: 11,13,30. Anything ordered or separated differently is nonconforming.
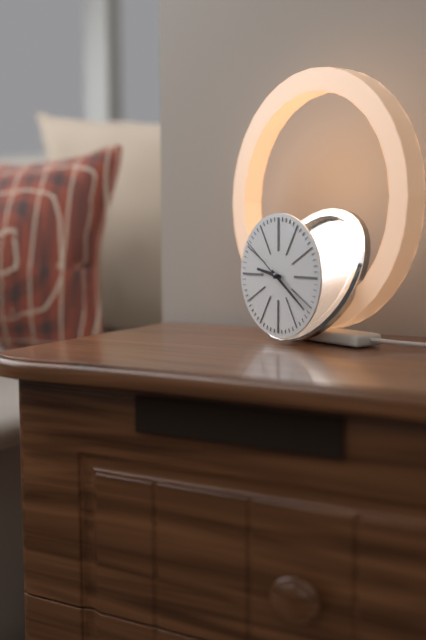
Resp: 9,21,51
